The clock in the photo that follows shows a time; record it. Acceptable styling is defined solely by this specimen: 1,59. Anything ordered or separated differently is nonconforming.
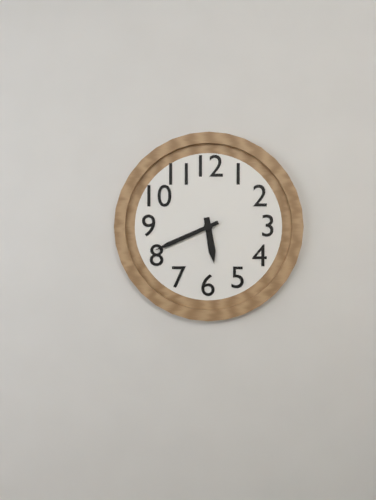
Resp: 5,41
